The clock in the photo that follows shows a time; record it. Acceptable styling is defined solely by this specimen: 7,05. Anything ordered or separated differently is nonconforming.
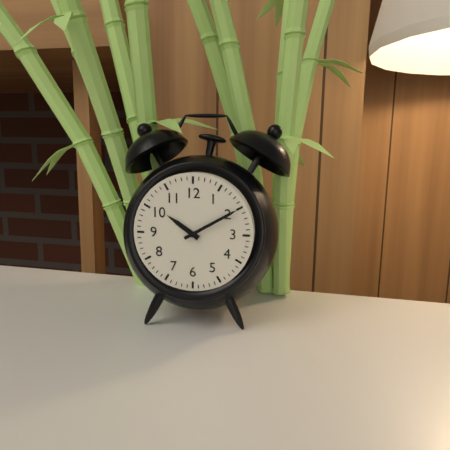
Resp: 10,10
